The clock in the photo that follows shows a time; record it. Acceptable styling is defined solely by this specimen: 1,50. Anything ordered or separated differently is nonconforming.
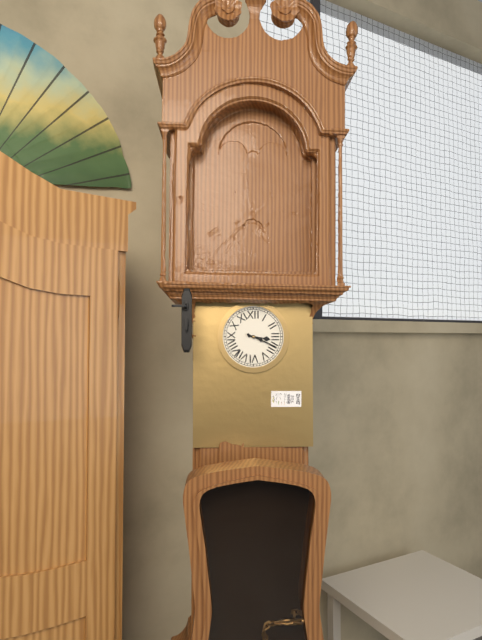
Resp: 3,19
